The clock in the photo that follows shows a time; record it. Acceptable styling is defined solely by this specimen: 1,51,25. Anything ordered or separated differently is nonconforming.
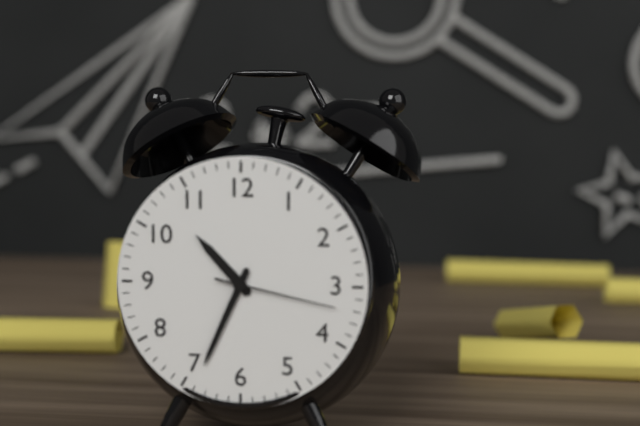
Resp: 10,34,17
